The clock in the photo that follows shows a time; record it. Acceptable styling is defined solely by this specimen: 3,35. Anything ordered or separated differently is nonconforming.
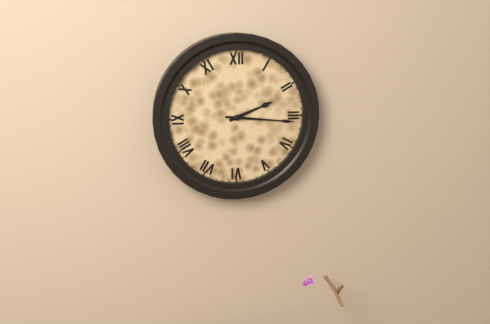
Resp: 2,16
